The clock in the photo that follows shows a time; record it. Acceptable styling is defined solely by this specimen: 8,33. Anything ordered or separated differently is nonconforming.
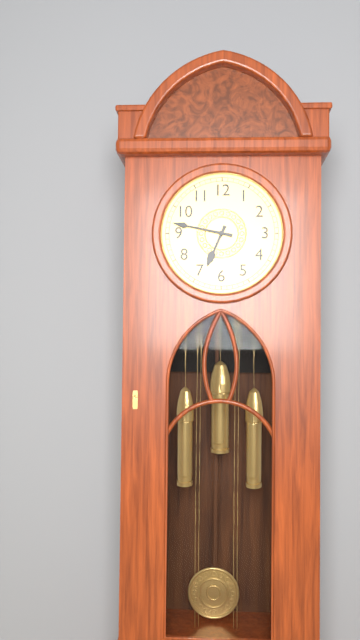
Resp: 6,47
